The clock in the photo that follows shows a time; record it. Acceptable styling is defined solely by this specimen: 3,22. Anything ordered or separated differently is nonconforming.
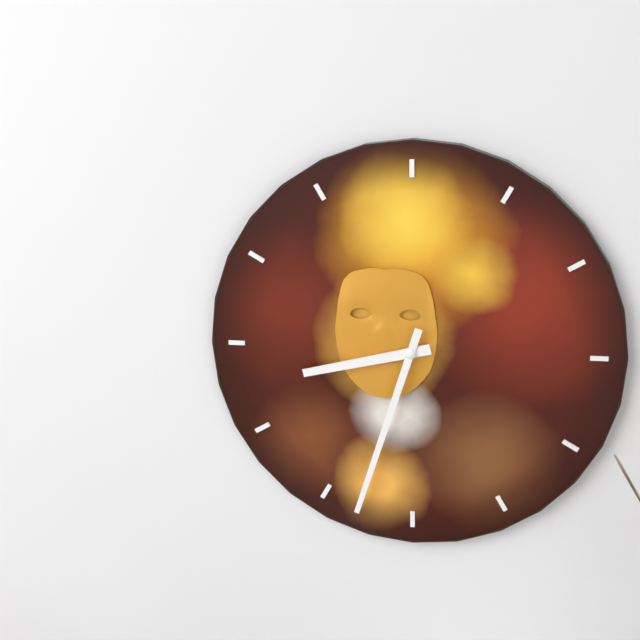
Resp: 8,33
